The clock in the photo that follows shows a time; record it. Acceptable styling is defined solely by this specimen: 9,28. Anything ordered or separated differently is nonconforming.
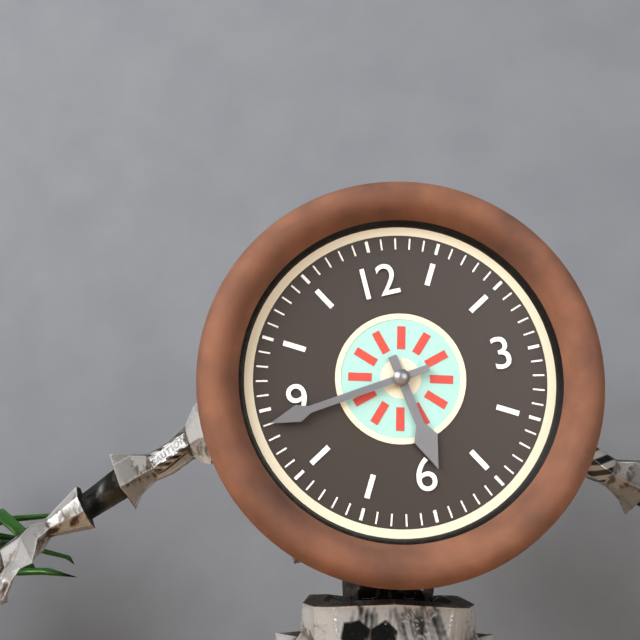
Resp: 5,44
